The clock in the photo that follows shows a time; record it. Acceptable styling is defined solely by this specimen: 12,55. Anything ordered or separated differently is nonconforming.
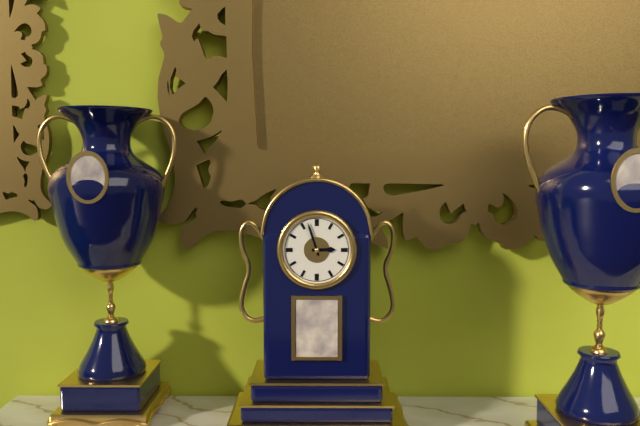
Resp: 2,57
